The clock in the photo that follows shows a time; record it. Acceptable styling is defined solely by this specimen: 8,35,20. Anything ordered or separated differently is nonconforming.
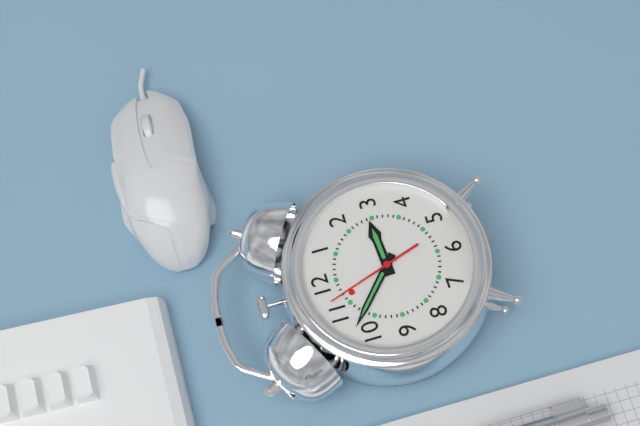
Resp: 2,52,57
